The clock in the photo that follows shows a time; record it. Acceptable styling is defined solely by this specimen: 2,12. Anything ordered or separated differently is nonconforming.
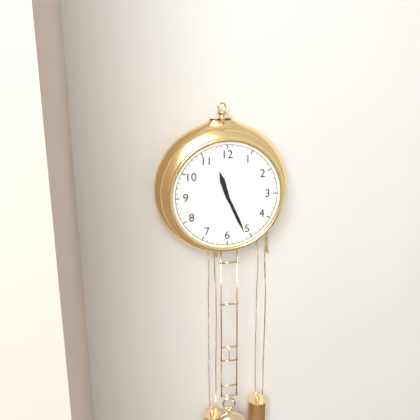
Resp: 11,26
